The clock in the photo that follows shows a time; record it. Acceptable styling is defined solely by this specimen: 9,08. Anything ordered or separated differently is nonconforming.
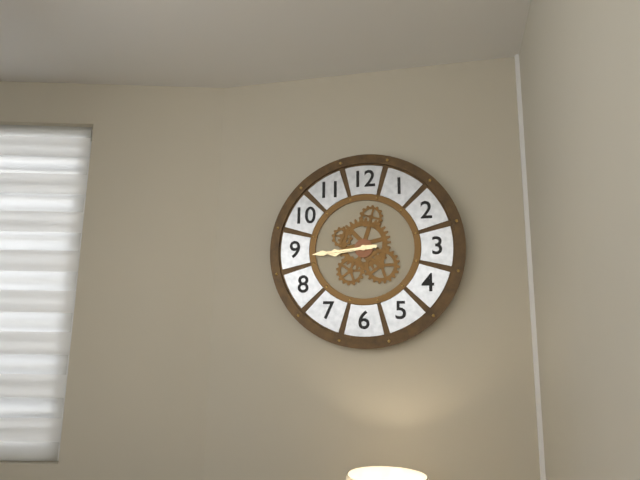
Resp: 8,44
